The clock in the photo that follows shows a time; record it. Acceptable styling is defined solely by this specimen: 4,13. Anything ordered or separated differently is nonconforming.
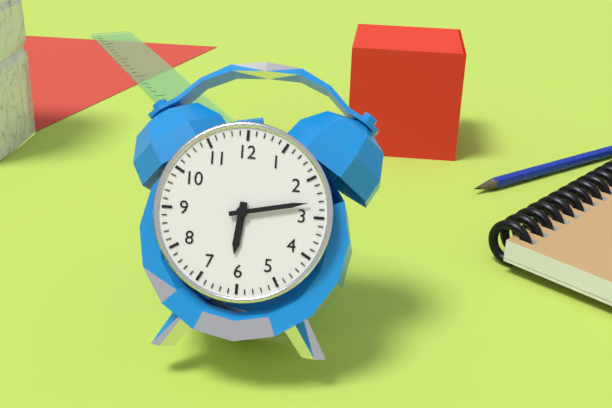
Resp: 6,13
